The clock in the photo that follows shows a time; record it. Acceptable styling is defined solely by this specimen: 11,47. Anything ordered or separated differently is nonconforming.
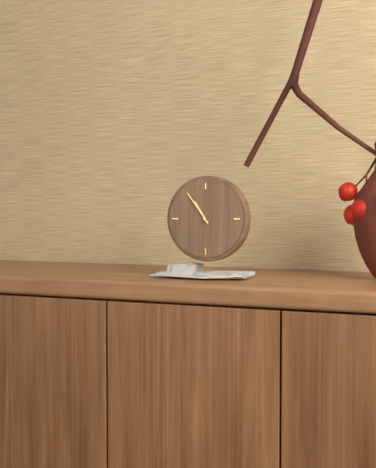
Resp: 10,54
